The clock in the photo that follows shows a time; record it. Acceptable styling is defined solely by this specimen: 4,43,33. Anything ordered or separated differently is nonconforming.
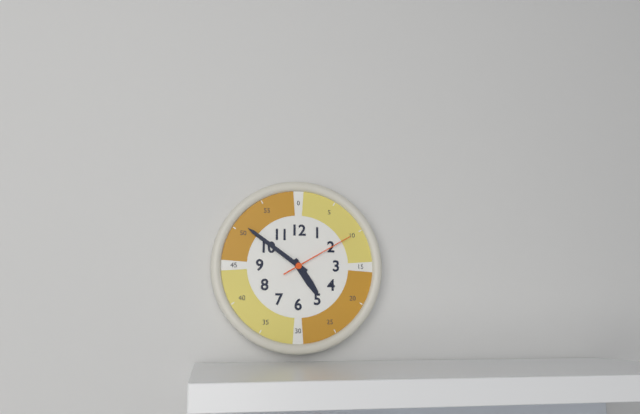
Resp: 4,51,10
